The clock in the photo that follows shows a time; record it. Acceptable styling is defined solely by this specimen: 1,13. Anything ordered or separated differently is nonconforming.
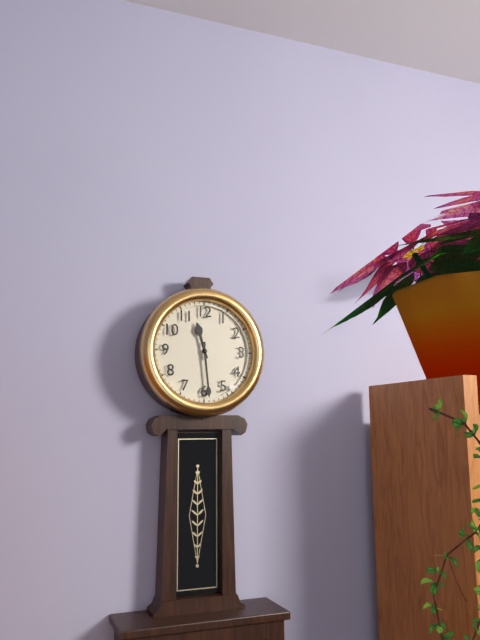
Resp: 11,29
